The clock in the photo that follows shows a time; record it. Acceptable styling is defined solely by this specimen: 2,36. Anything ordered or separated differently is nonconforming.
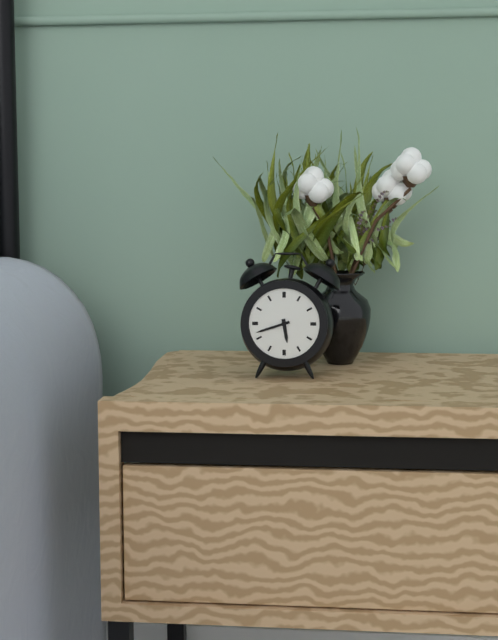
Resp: 5,42
